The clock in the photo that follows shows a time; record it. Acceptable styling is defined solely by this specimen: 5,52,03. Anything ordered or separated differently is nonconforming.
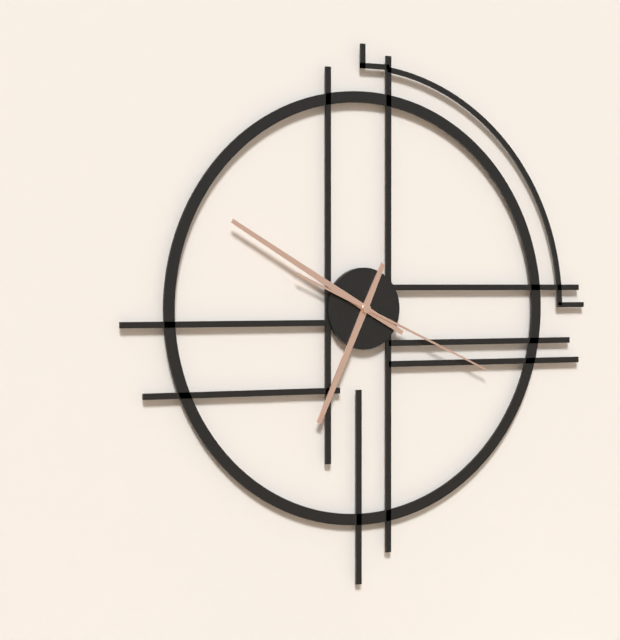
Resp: 6,50,19
